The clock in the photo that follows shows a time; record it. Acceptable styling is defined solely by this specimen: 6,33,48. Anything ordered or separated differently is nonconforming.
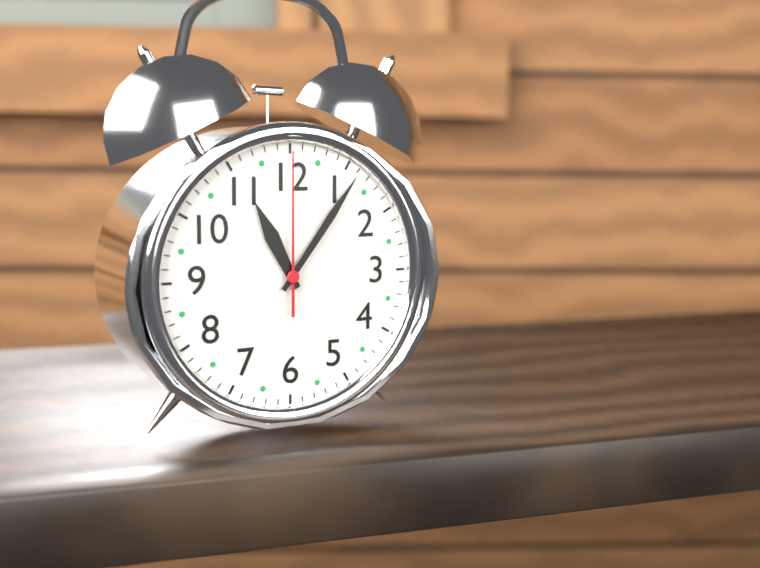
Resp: 11,06,00
